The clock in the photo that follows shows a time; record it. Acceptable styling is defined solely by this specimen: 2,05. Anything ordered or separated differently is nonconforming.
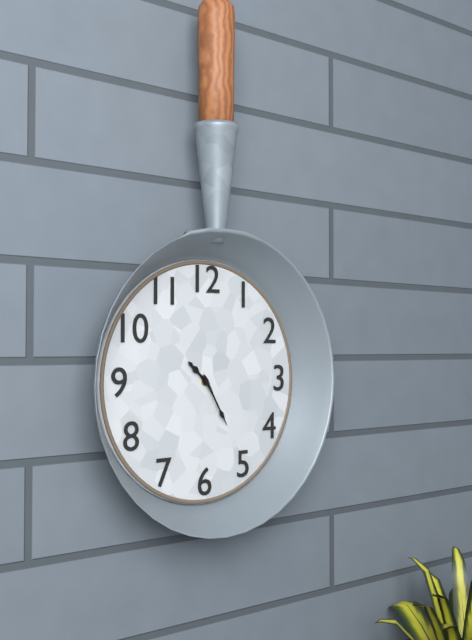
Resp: 10,25
